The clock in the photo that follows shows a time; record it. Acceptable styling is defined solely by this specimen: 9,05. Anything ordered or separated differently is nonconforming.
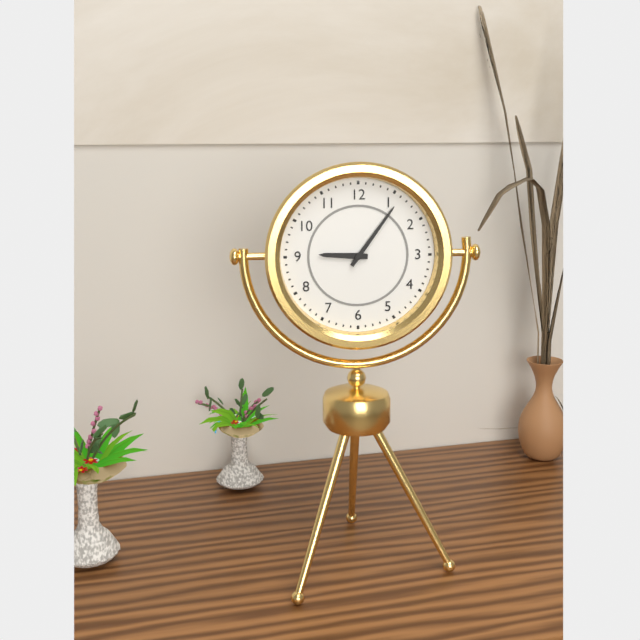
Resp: 9,06
